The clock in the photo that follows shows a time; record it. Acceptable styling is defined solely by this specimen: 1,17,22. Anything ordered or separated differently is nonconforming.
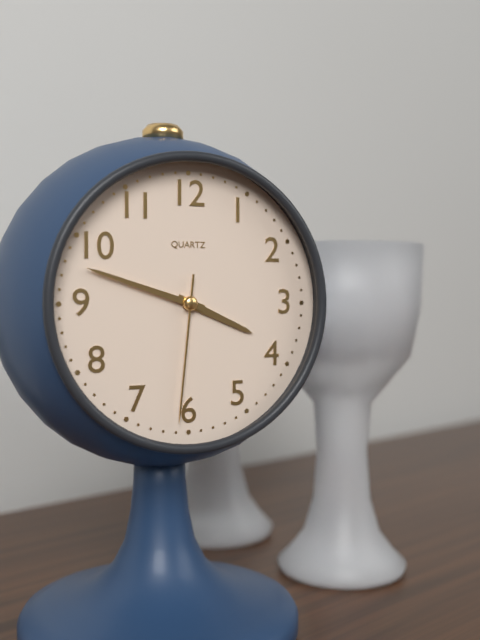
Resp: 3,48,31
